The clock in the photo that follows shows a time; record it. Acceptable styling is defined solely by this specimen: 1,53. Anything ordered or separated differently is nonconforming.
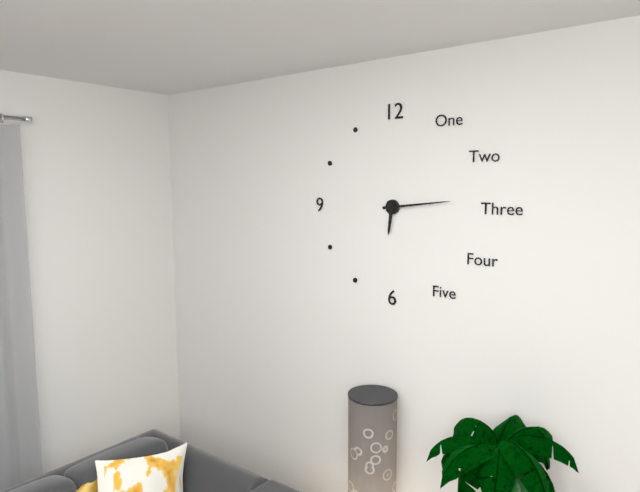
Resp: 6,14
